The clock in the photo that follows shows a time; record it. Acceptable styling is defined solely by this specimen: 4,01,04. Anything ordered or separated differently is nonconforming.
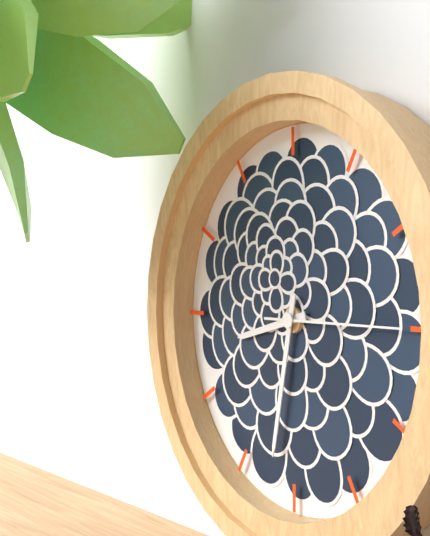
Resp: 8,32,15
